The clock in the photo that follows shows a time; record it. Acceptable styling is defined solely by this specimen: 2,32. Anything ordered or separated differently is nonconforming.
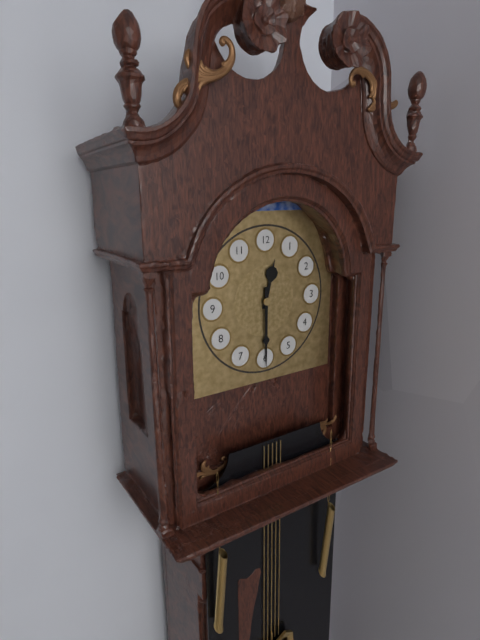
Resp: 12,30
